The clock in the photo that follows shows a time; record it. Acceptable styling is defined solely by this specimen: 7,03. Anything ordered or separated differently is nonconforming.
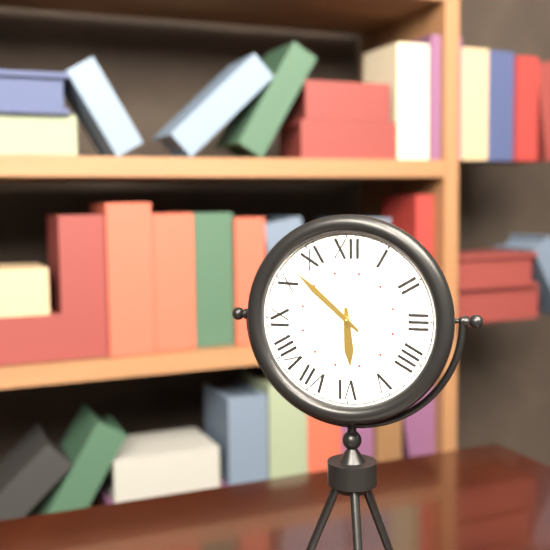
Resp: 5,52
